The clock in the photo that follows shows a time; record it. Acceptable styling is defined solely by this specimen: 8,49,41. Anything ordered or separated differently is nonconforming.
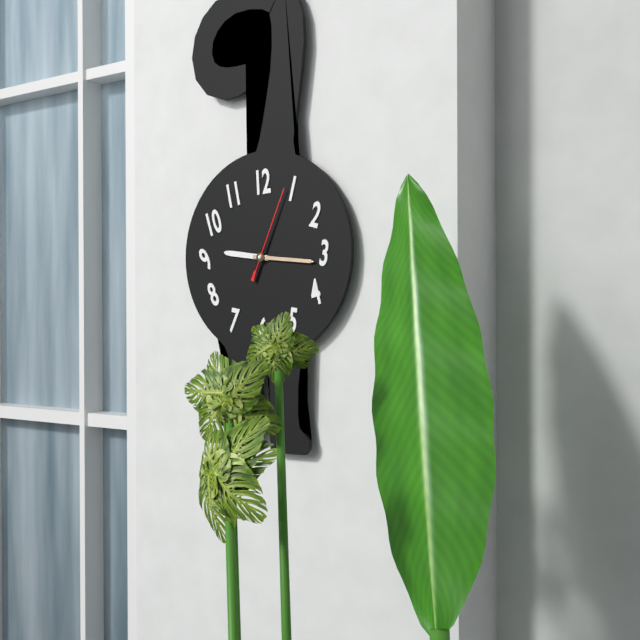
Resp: 9,16,04
